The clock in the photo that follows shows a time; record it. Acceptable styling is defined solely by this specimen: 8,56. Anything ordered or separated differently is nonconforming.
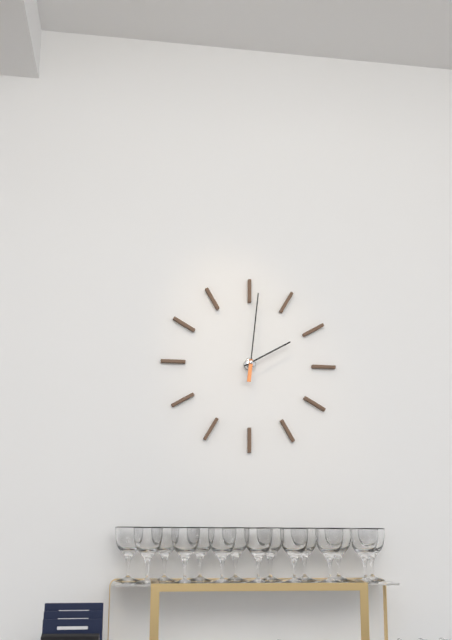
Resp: 2,01
